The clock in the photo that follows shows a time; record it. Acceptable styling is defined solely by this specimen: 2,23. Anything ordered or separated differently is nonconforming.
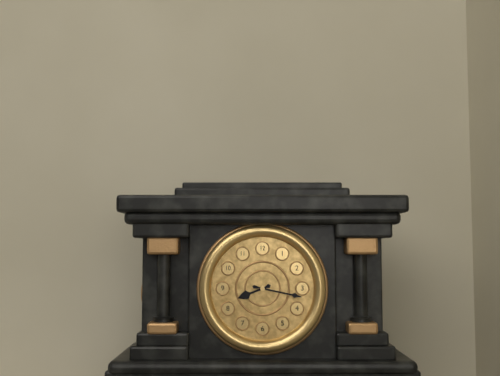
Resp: 8,17
